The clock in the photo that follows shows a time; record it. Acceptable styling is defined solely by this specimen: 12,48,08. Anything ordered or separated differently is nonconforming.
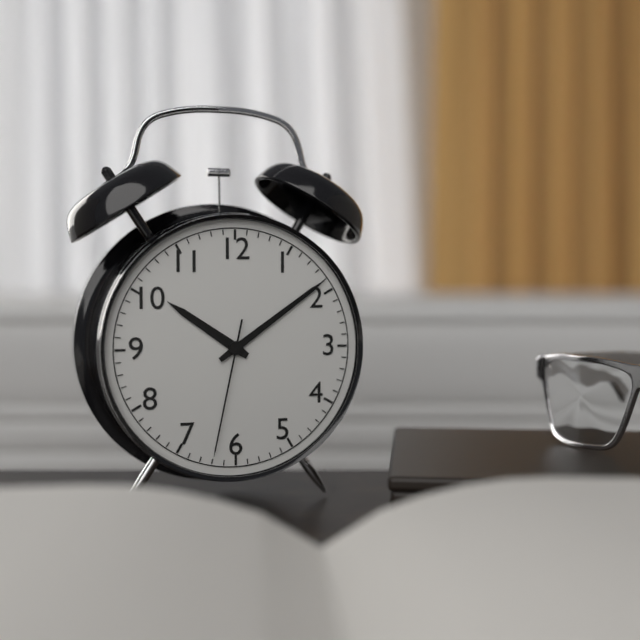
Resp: 10,09,32
